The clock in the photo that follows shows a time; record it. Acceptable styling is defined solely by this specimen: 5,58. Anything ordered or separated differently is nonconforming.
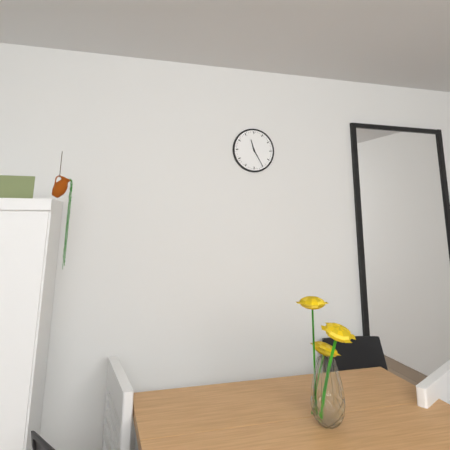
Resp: 11,25
